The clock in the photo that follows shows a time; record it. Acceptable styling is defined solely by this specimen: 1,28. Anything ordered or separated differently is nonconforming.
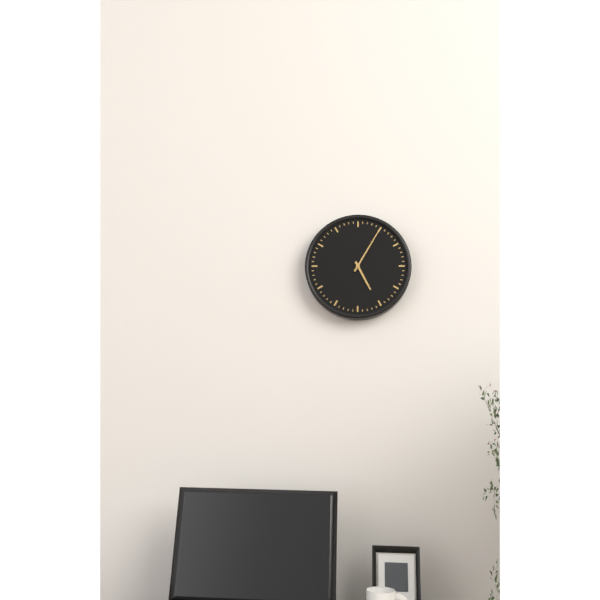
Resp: 5,05
